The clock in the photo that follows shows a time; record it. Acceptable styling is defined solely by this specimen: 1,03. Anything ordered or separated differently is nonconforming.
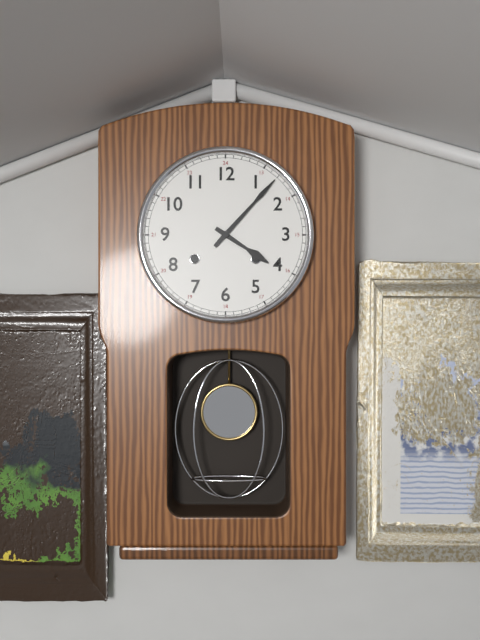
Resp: 4,07
